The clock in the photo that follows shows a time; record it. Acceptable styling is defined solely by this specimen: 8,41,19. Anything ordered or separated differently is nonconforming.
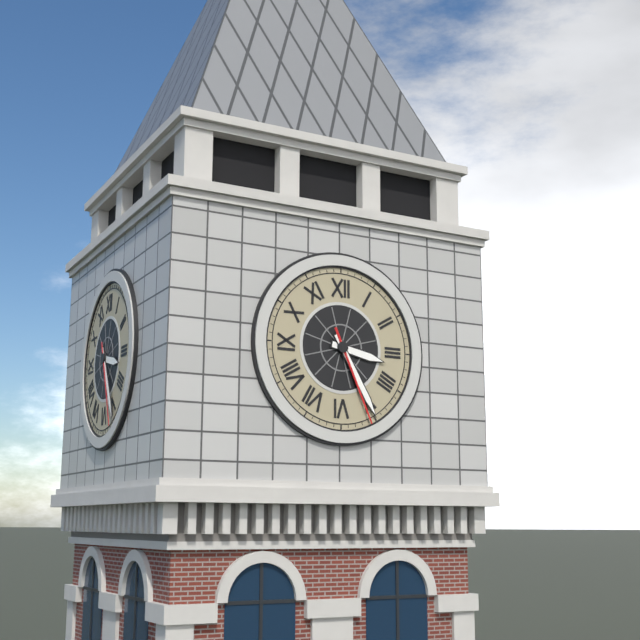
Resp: 3,25,26
